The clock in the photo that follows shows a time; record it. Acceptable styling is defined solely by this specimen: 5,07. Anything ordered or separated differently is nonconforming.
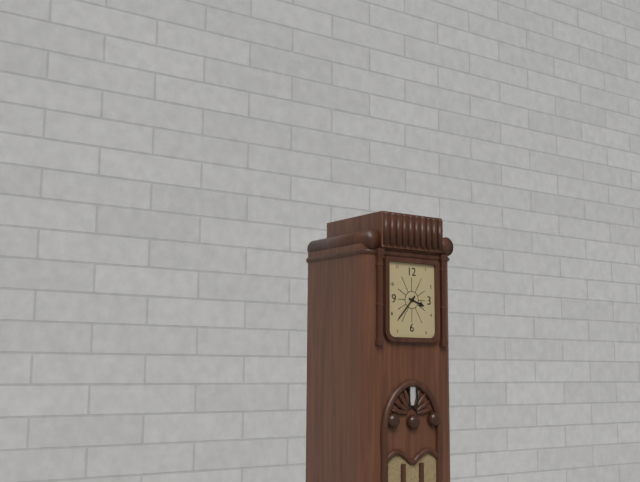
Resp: 3,37
